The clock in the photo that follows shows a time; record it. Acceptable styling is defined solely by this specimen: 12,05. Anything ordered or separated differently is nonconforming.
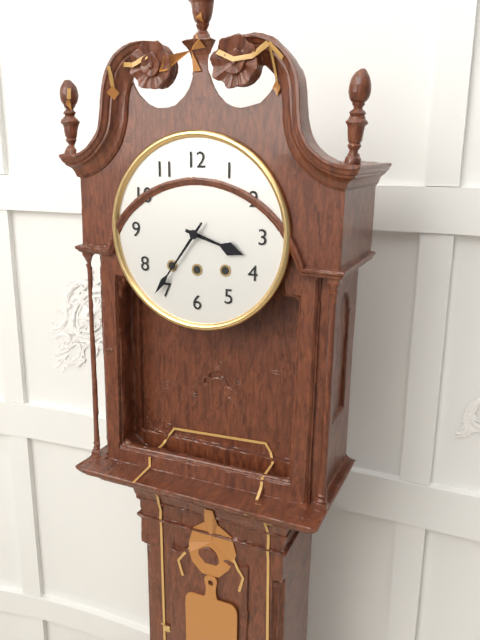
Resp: 3,36
